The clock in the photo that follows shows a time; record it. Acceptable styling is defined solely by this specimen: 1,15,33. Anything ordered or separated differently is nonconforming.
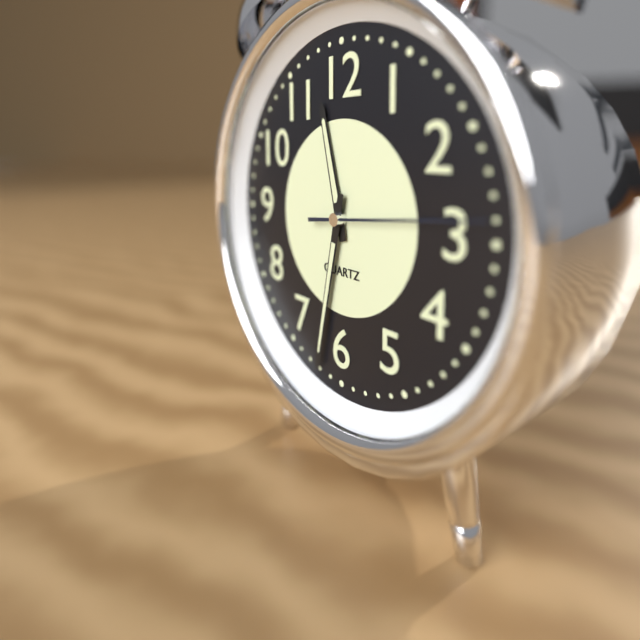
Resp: 11,32,14
